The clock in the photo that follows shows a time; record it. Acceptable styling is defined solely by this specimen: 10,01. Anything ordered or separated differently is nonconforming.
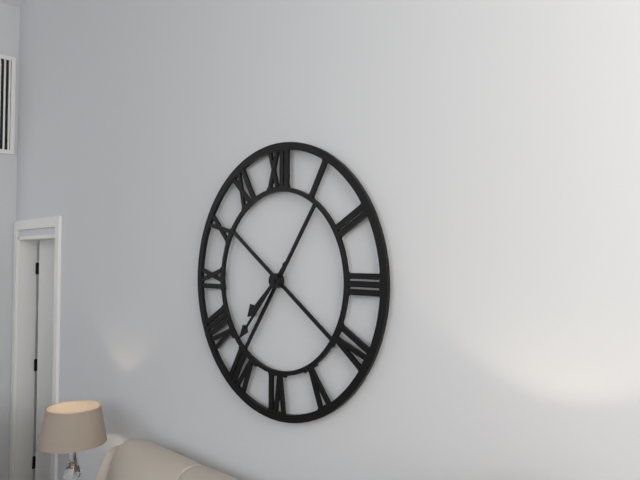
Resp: 7,37
